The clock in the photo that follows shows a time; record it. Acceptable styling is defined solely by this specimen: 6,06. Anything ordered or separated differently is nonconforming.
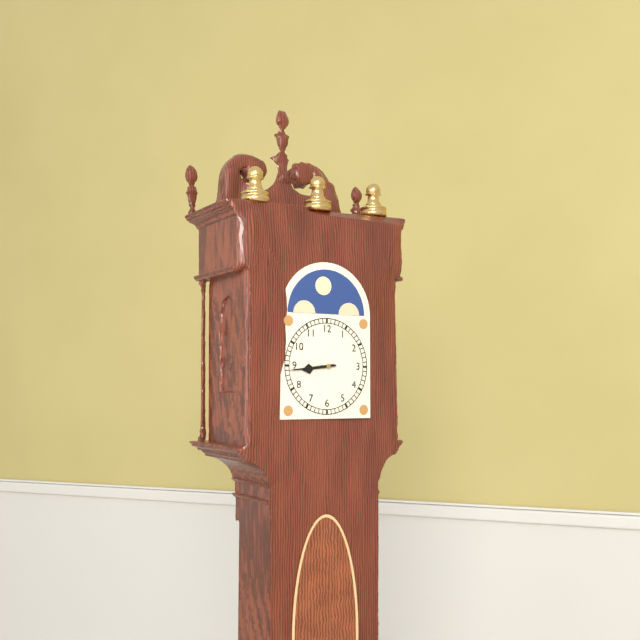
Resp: 8,44
